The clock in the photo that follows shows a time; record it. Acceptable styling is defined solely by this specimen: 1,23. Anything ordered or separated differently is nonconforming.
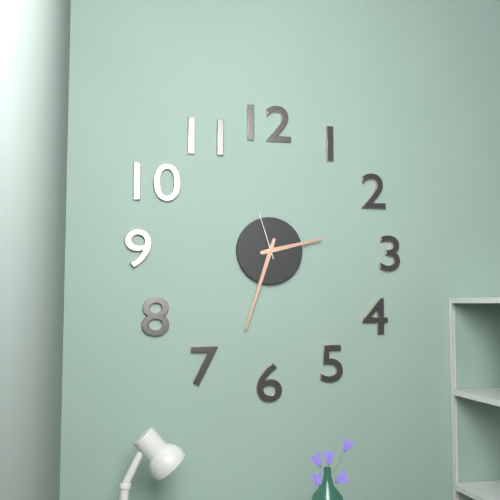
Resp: 2,33
